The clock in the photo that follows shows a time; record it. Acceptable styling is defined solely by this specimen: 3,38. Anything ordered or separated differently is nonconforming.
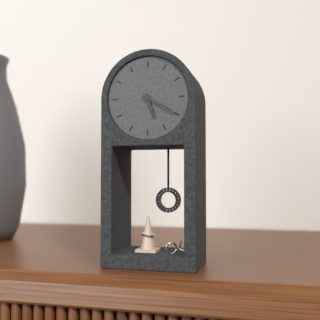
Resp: 5,20
